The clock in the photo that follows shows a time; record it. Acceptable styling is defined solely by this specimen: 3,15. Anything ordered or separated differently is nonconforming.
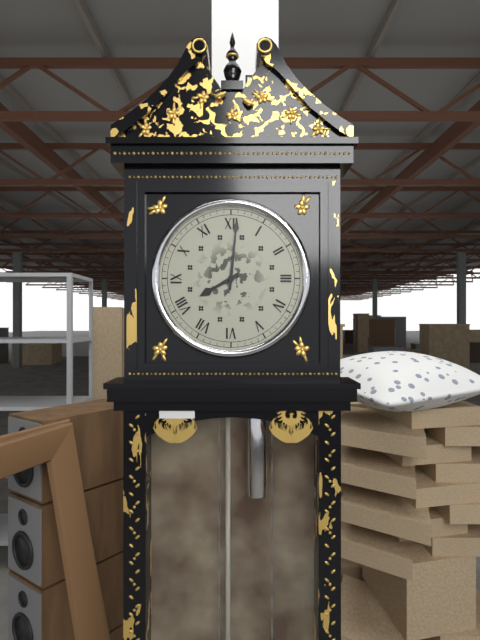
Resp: 8,01
